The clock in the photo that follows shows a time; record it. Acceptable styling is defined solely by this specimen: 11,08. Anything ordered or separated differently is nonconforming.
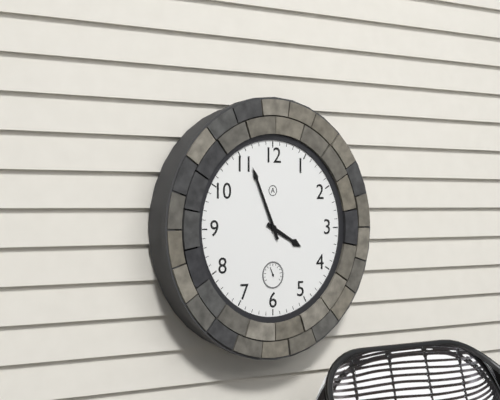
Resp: 3,56
